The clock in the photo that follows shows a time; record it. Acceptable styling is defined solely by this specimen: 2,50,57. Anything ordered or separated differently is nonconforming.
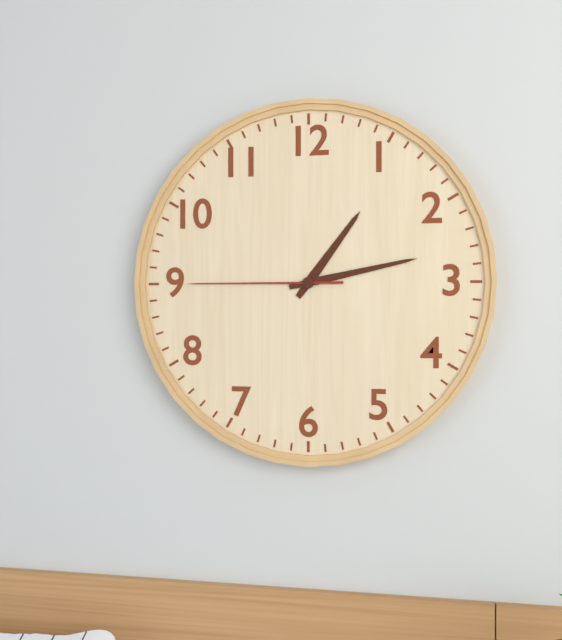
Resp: 1,13,45
